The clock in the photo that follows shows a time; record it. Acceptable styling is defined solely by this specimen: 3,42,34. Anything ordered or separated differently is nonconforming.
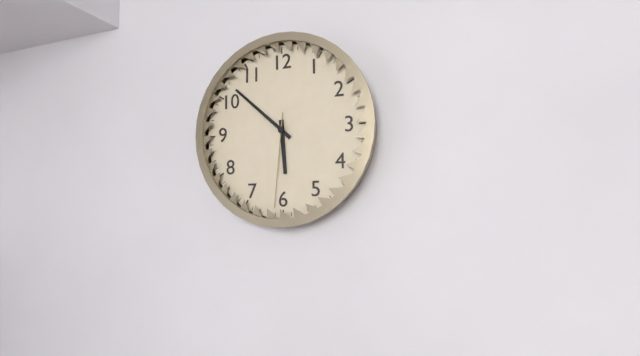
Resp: 5,52,31
